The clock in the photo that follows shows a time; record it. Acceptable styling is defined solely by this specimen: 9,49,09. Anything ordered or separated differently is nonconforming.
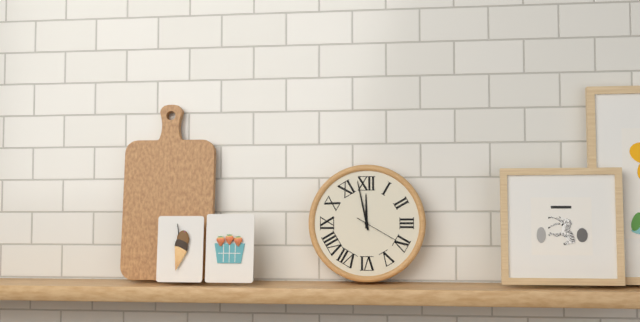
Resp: 11,58,20
